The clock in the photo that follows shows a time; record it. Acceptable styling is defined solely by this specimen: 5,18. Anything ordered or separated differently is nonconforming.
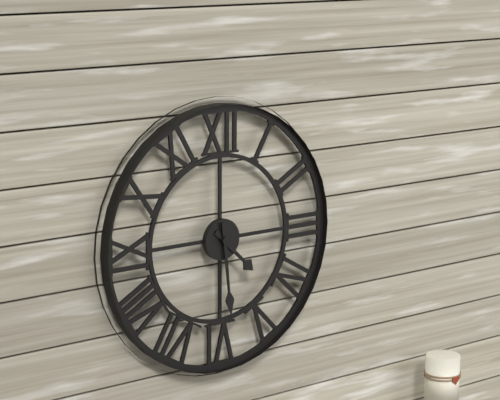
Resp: 4,29
